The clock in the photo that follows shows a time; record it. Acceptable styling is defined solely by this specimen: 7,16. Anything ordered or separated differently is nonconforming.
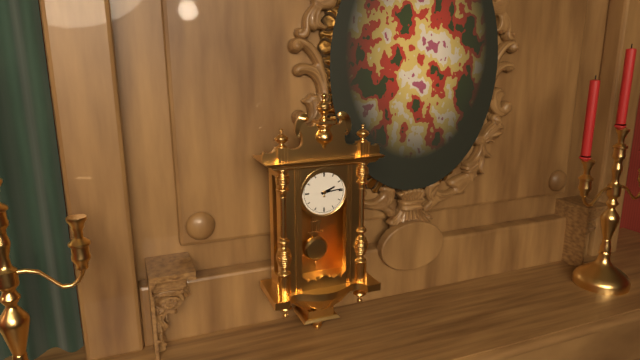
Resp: 2,14
